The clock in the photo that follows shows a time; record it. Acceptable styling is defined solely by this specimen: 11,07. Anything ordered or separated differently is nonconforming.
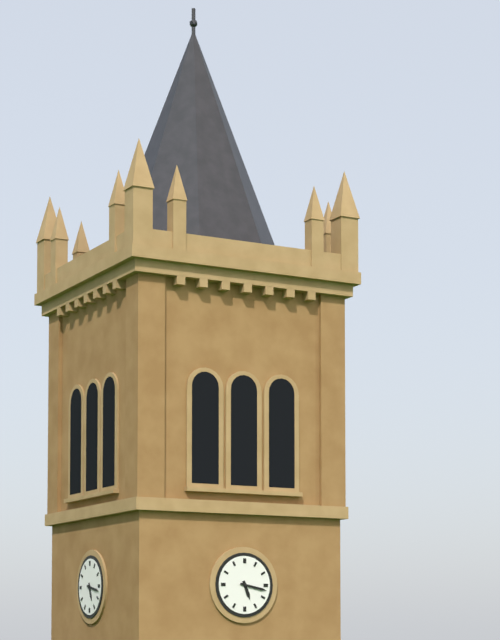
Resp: 5,17
